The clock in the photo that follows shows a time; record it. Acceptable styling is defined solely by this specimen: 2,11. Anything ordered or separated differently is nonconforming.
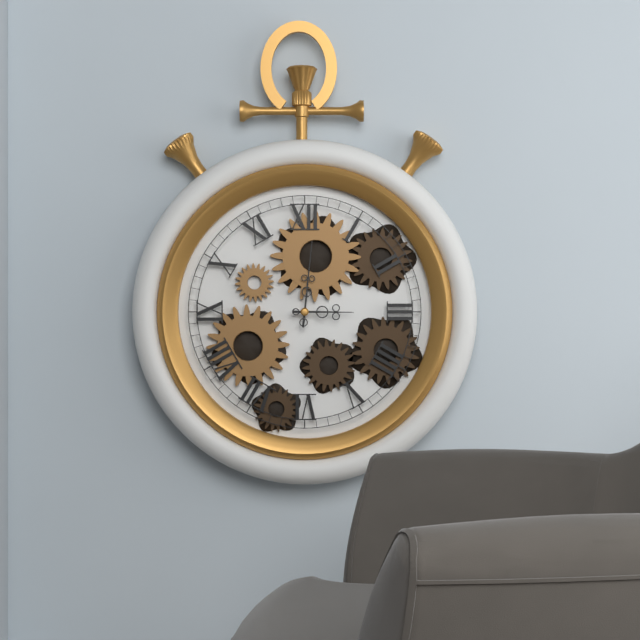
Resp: 3,01
